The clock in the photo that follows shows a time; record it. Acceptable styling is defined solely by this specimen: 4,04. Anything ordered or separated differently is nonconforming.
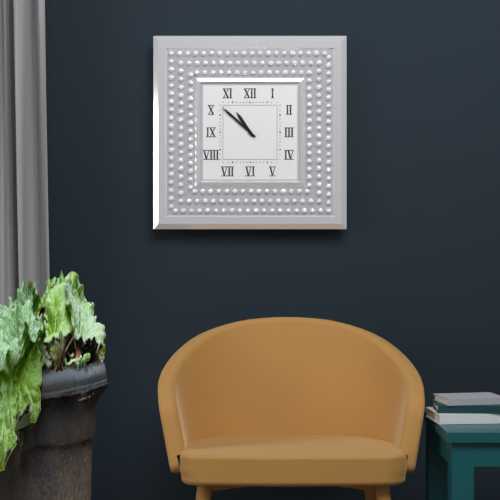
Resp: 10,52
